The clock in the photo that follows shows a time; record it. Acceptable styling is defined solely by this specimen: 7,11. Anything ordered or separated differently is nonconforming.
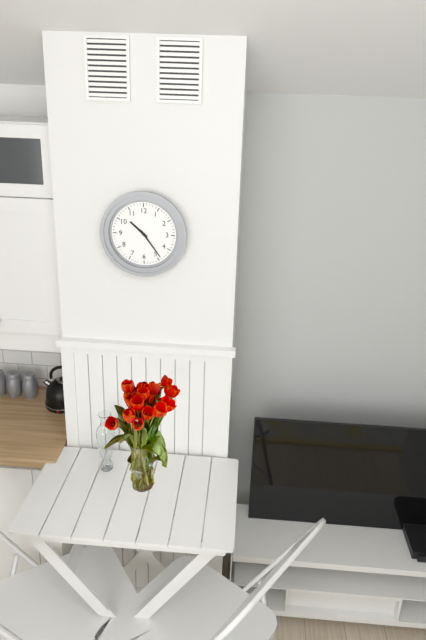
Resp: 10,24
